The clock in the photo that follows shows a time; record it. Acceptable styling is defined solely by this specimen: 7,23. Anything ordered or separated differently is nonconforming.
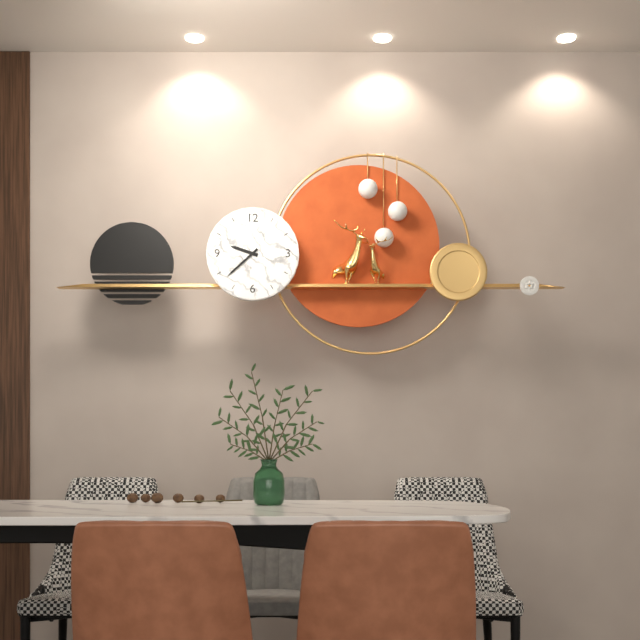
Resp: 9,38
